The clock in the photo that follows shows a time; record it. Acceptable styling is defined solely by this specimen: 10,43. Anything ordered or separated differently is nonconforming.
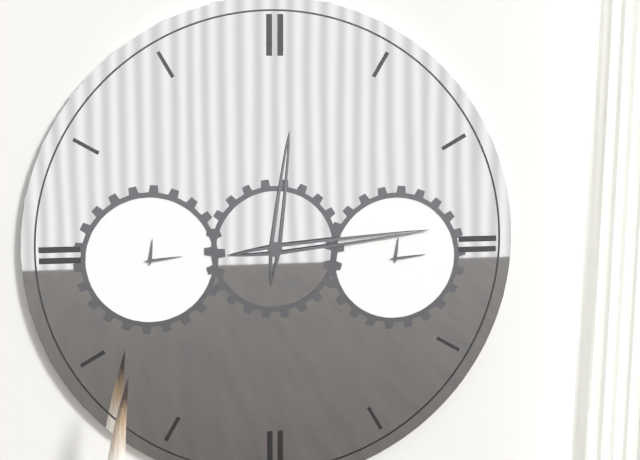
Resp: 12,14
